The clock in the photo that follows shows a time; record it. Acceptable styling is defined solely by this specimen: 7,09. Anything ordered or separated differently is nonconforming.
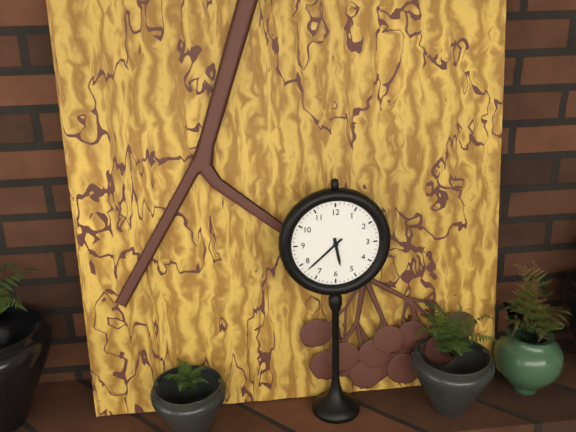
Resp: 5,38
